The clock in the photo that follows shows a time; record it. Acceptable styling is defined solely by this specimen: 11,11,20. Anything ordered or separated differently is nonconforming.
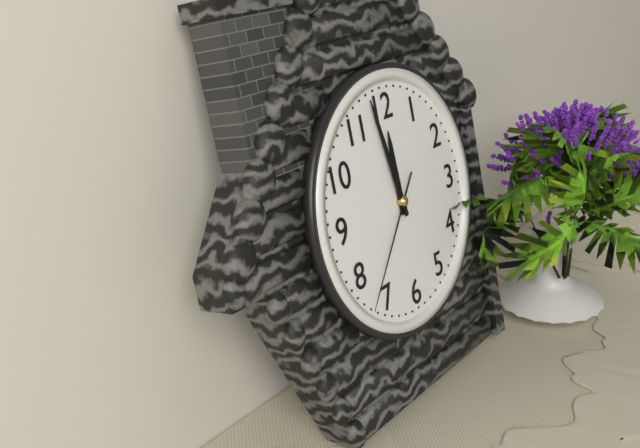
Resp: 11,58,37
